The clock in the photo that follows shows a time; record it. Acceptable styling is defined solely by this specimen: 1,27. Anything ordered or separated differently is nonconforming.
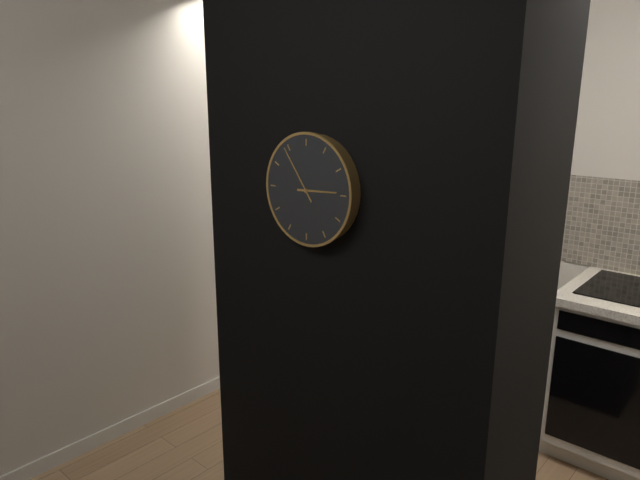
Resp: 2,54
